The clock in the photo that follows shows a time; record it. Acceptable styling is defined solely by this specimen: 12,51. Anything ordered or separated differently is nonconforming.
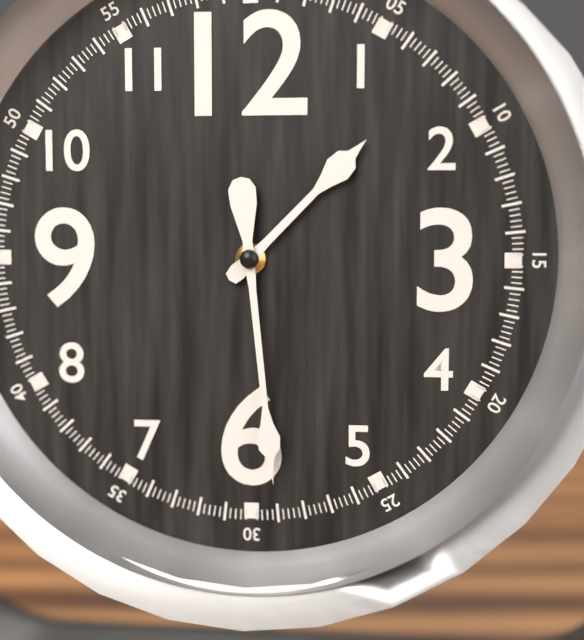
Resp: 1,29
